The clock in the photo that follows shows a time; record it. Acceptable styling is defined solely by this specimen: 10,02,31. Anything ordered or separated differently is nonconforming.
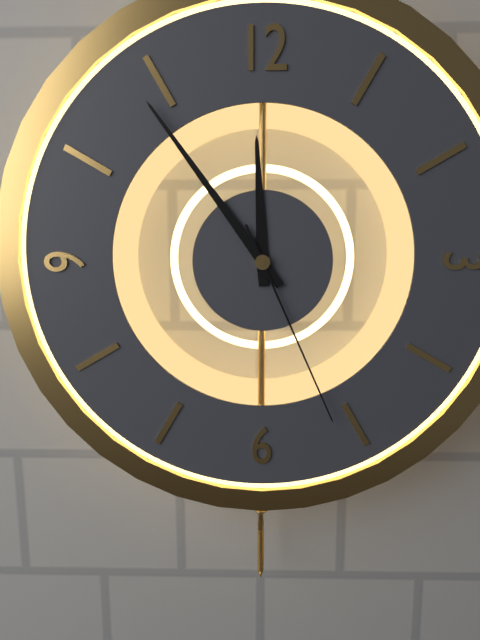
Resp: 11,54,26
